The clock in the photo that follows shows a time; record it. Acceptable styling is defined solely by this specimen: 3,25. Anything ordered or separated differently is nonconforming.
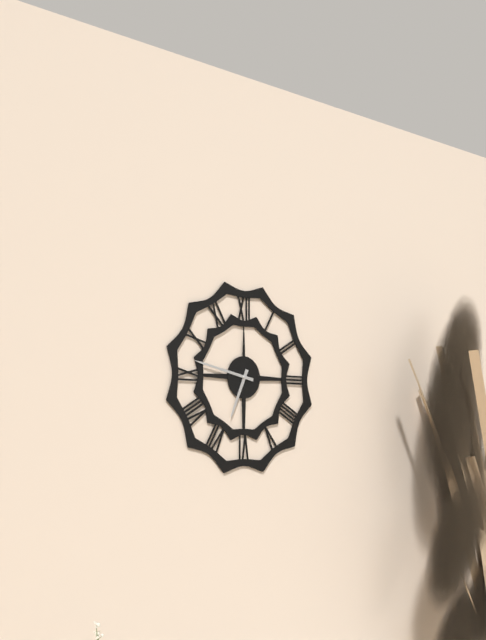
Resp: 6,47
